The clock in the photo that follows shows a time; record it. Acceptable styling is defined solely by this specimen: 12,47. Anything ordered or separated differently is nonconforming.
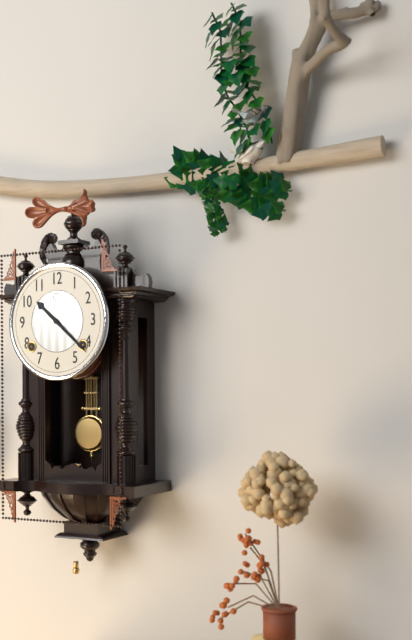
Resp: 10,22
